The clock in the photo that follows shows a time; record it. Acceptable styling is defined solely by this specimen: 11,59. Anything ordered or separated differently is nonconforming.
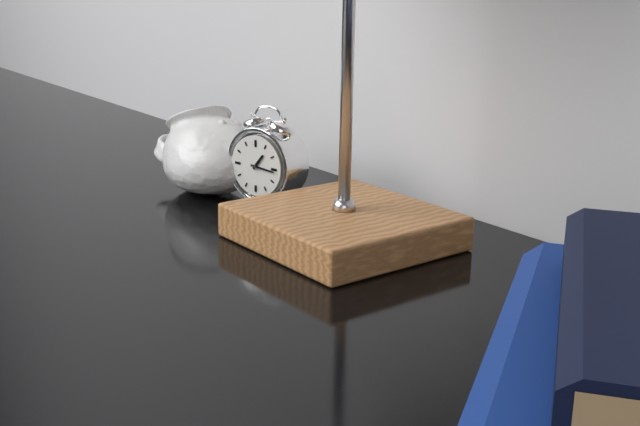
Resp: 1,16
